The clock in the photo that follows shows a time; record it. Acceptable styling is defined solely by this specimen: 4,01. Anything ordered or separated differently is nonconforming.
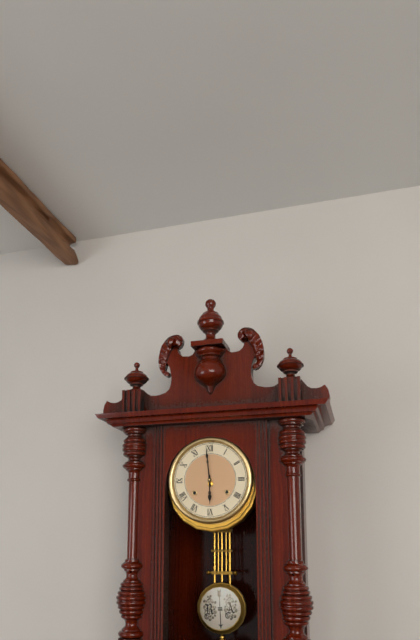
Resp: 5,59
